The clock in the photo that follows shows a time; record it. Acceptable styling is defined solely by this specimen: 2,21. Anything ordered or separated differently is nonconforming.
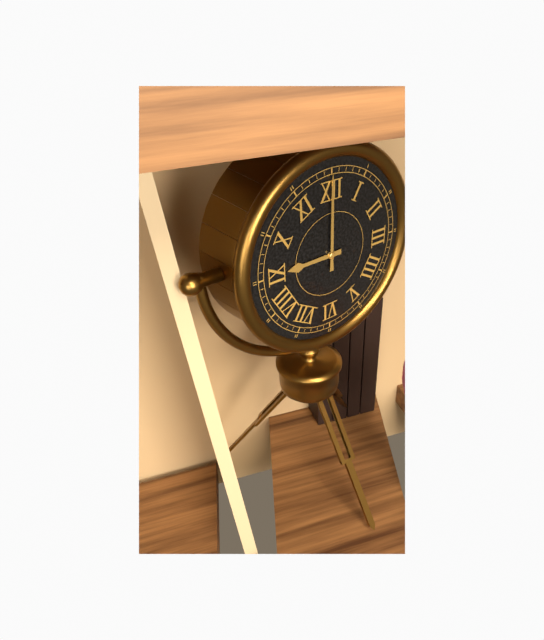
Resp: 9,00
